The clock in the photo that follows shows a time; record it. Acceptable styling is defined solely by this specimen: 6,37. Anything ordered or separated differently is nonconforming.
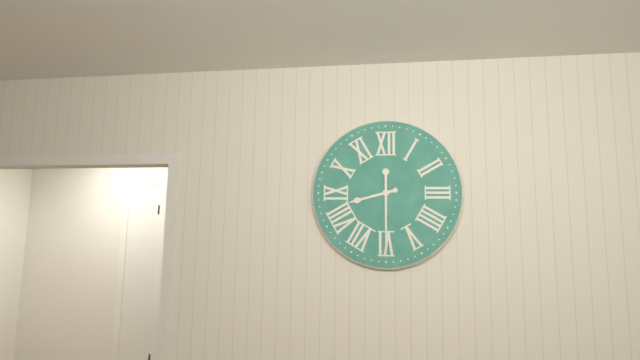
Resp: 8,30
